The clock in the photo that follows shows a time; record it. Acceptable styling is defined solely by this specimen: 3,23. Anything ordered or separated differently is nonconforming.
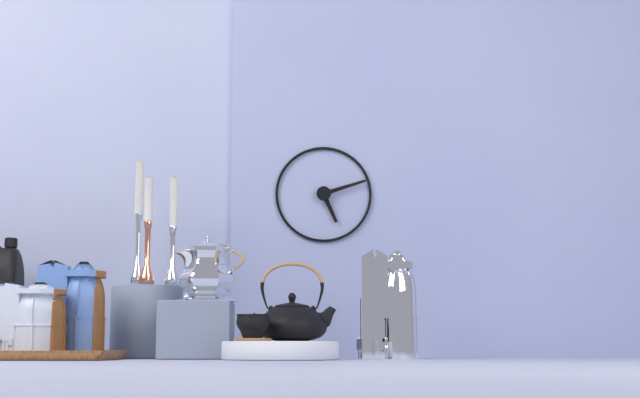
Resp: 5,12
